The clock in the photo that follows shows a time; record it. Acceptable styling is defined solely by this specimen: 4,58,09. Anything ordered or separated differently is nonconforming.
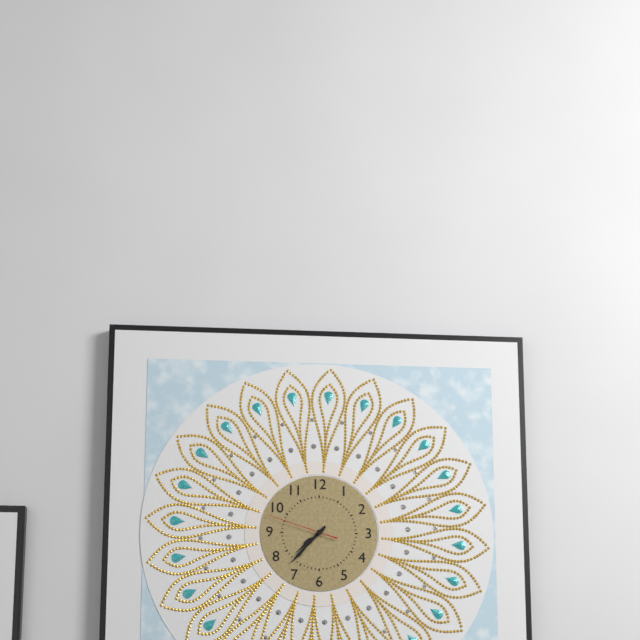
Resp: 7,37,48
